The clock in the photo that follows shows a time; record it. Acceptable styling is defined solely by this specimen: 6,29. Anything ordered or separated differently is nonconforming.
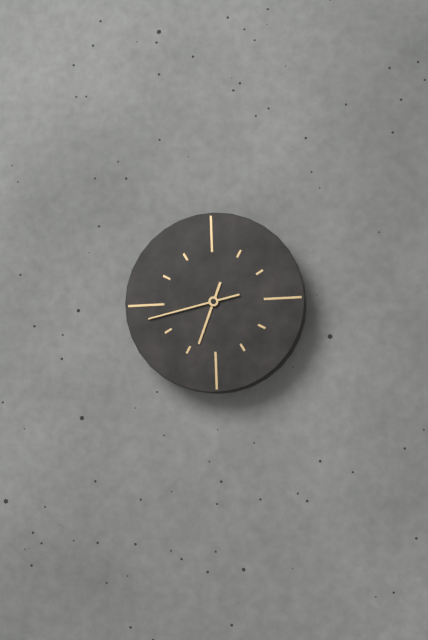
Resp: 6,43
